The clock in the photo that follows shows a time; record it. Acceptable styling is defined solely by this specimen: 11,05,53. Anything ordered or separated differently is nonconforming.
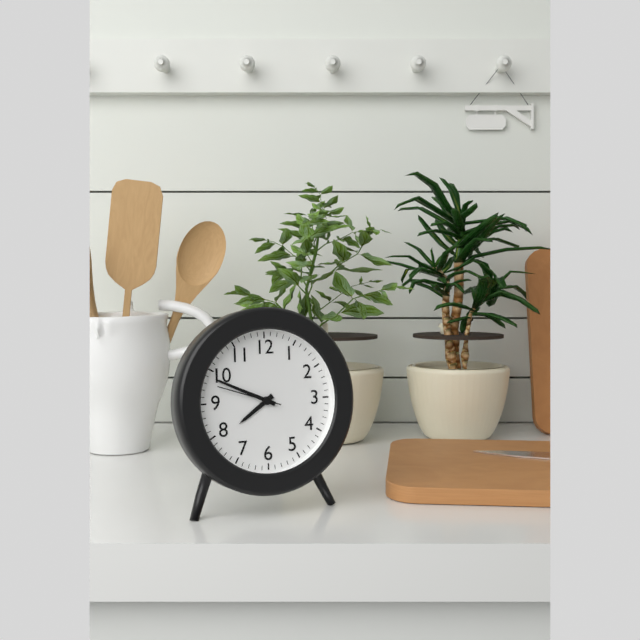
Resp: 7,49,48
